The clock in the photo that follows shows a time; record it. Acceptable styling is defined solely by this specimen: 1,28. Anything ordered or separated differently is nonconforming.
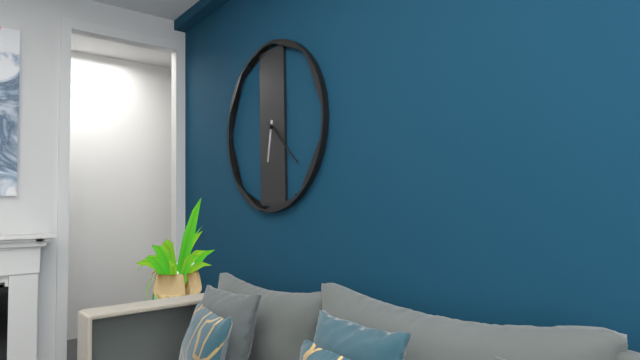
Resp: 6,22
